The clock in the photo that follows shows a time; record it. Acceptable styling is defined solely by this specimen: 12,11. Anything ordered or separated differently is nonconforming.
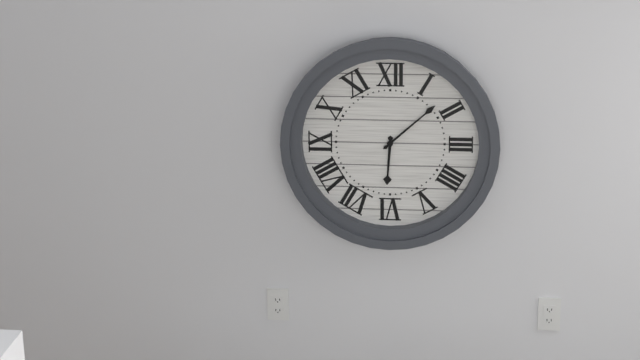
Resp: 6,08
